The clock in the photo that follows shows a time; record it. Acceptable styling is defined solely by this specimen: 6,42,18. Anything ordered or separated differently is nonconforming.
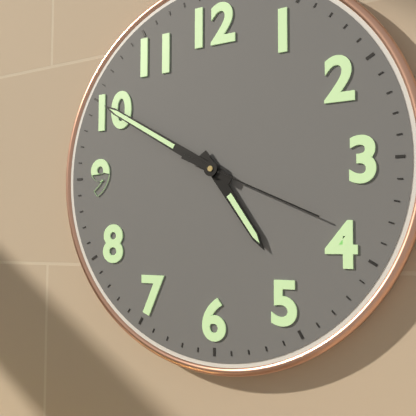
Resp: 4,50,19
